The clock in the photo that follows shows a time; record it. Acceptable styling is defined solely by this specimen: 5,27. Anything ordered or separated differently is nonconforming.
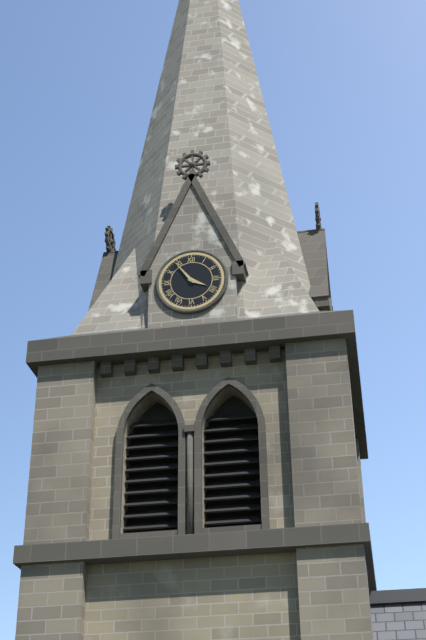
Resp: 3,54
